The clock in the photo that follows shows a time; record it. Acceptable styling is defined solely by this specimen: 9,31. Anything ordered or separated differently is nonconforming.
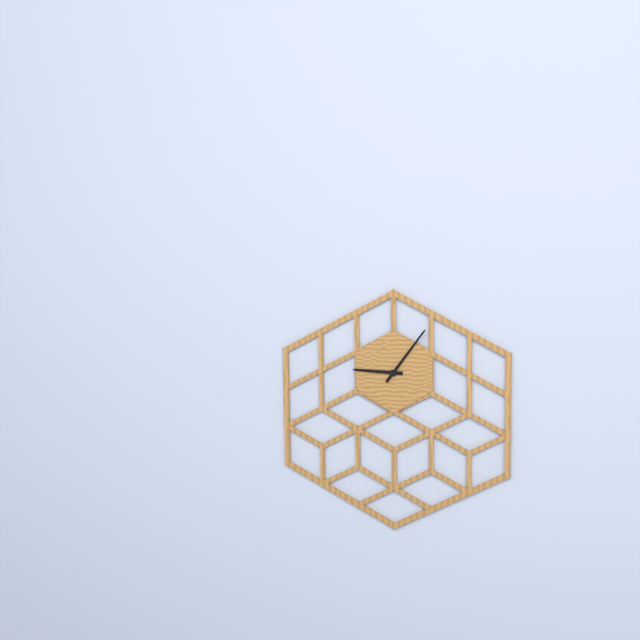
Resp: 9,06
